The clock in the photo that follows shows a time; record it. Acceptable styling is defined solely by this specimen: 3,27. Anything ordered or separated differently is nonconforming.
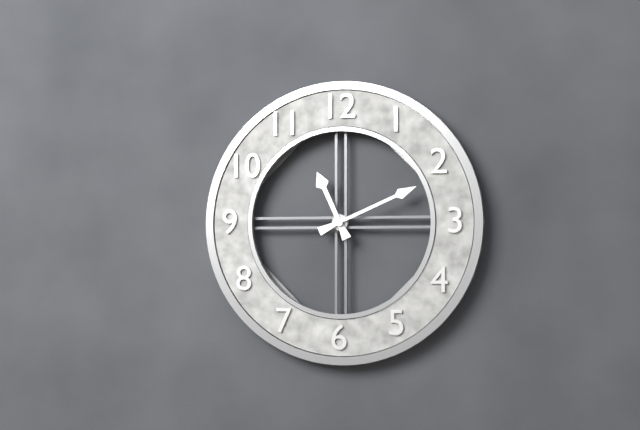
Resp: 11,11
